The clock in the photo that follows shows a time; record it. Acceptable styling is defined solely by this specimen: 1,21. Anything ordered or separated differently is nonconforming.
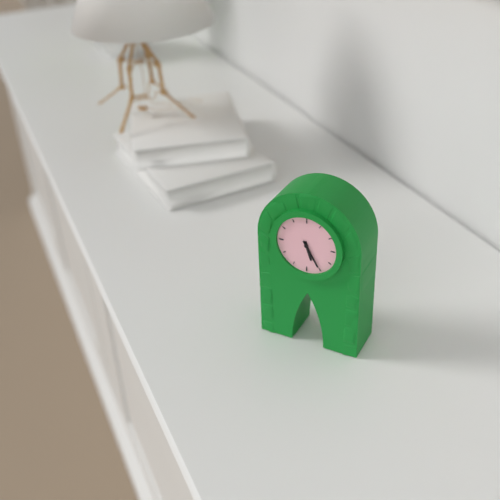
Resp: 5,25
